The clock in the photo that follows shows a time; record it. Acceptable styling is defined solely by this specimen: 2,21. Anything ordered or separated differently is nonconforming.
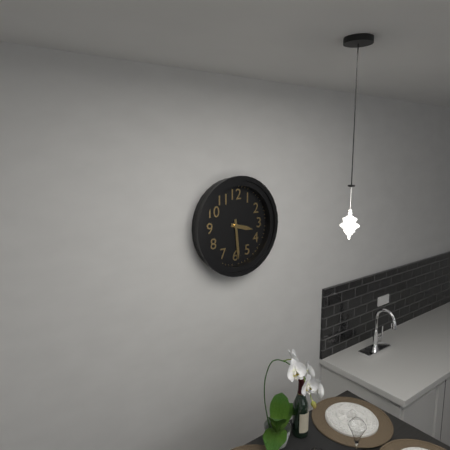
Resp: 3,29
